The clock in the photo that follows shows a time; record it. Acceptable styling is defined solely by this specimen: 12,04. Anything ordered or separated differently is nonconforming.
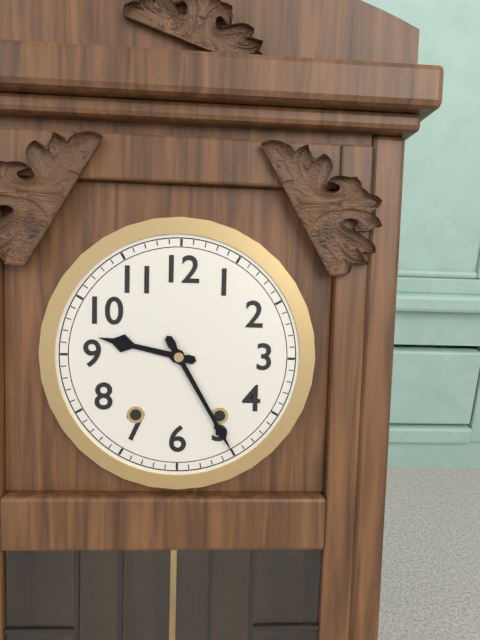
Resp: 9,25
